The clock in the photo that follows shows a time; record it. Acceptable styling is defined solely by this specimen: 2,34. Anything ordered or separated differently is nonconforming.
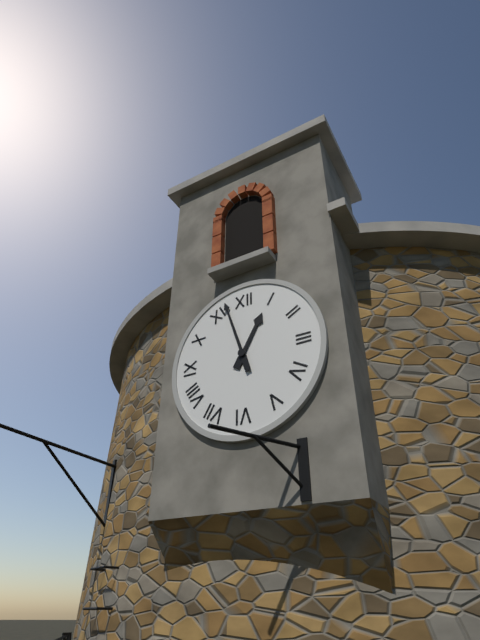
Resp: 12,57
